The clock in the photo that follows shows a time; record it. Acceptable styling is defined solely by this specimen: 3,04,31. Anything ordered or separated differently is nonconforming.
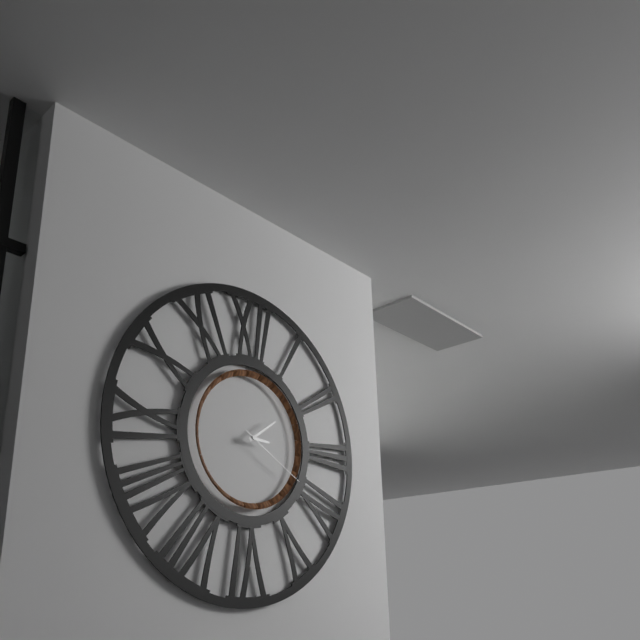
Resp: 3,09,20
